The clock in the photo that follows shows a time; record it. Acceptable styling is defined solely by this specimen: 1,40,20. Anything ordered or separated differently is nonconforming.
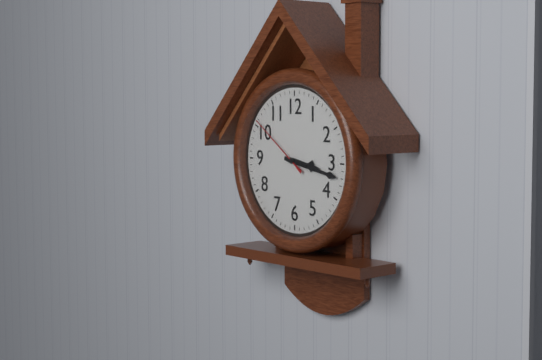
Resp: 3,17,51
